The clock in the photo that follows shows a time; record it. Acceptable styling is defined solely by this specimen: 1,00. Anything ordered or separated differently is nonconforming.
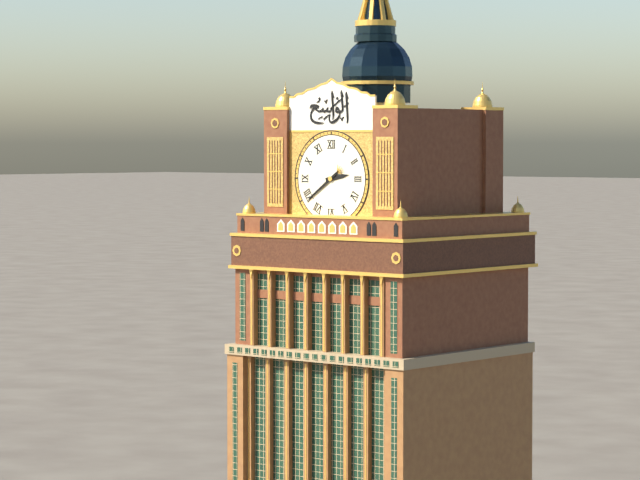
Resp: 2,39
